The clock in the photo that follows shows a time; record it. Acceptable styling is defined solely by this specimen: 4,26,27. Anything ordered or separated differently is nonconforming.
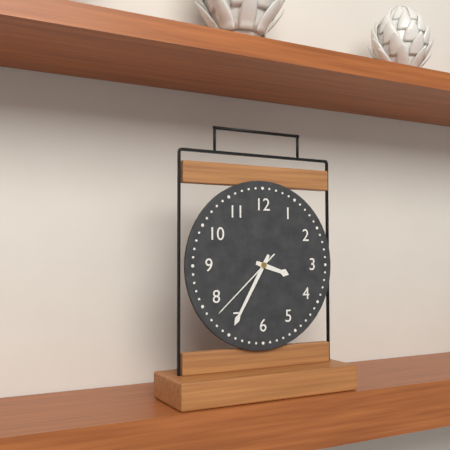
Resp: 3,35,38
